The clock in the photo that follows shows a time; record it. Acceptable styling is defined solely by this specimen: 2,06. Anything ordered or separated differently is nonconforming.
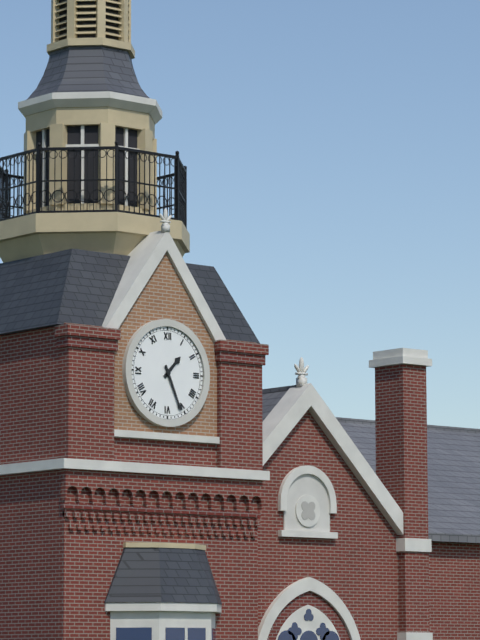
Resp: 1,26
